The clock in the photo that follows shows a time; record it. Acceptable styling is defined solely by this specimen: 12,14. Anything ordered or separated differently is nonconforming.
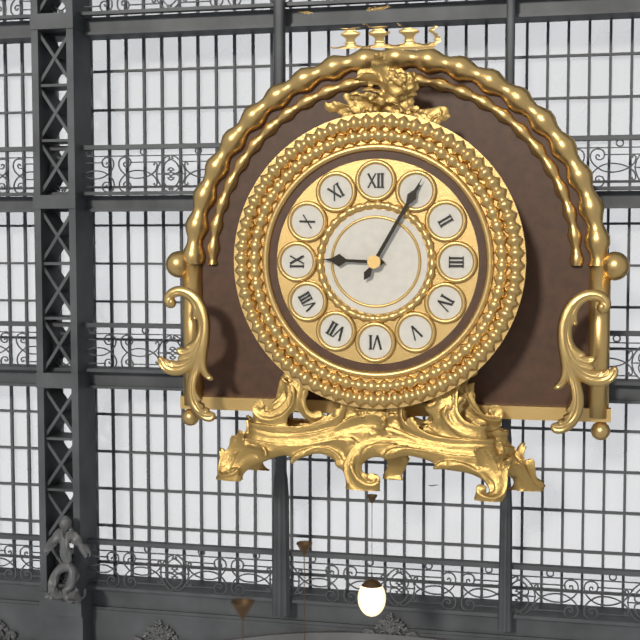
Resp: 9,05
